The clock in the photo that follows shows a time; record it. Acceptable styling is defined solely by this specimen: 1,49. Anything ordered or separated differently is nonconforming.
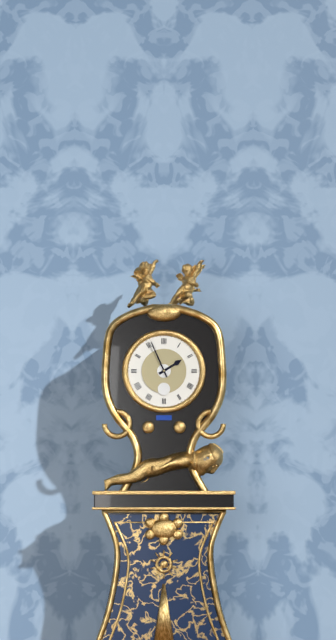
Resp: 1,56
